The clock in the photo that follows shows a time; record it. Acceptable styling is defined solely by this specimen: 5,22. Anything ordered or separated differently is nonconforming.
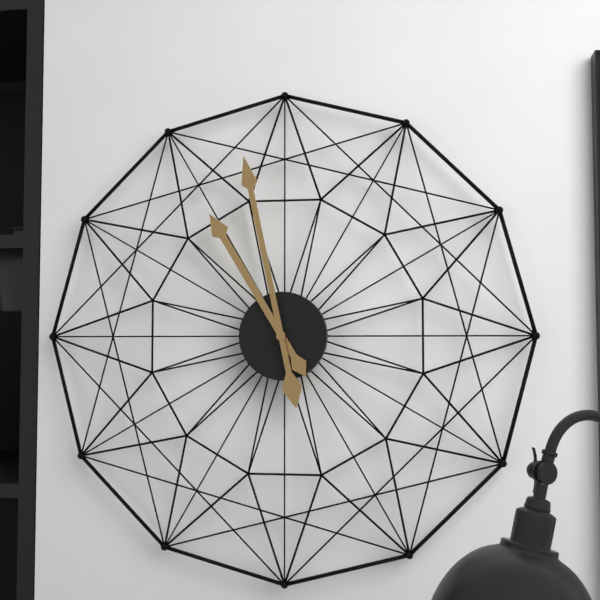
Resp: 10,58
